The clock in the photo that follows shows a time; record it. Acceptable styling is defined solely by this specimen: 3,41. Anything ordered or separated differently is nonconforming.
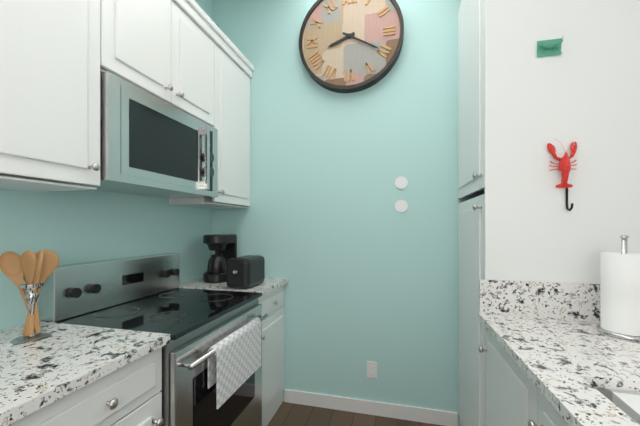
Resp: 8,20
